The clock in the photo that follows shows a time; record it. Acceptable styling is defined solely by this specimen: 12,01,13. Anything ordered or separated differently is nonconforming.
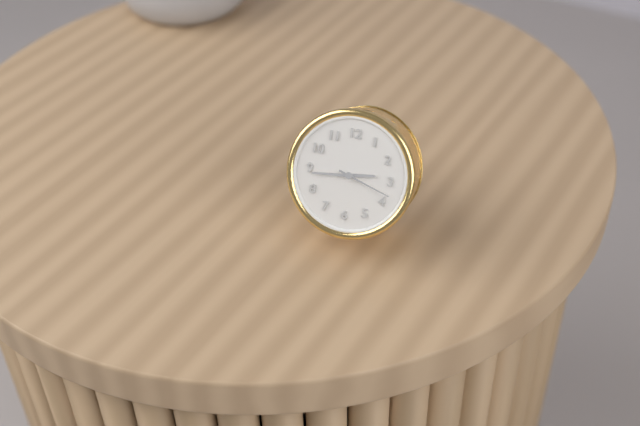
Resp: 2,44,18
